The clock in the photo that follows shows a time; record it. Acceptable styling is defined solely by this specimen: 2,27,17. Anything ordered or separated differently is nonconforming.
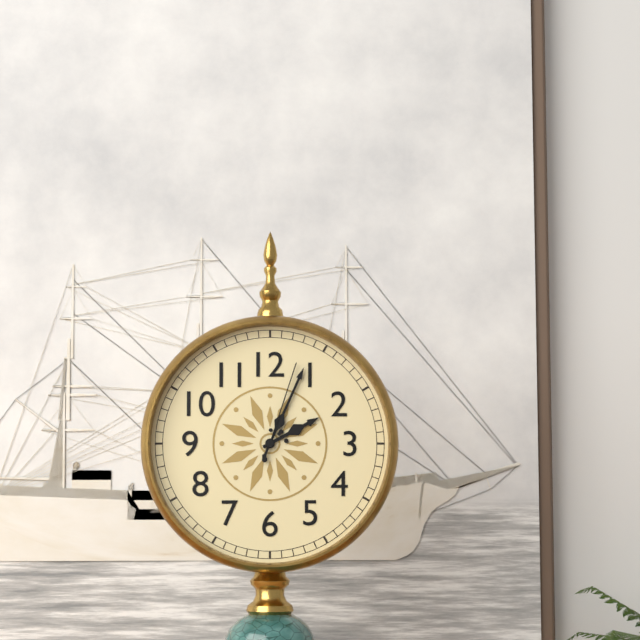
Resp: 2,04,03
